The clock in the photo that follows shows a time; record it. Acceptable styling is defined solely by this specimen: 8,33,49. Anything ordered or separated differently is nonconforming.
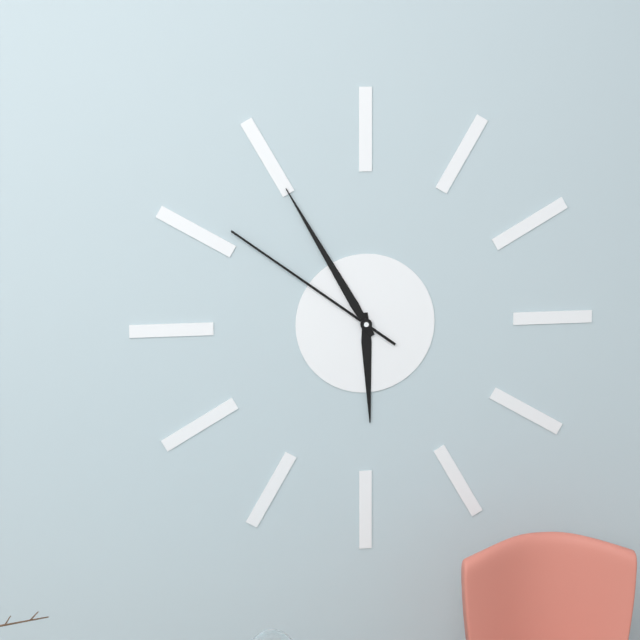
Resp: 5,55,51
